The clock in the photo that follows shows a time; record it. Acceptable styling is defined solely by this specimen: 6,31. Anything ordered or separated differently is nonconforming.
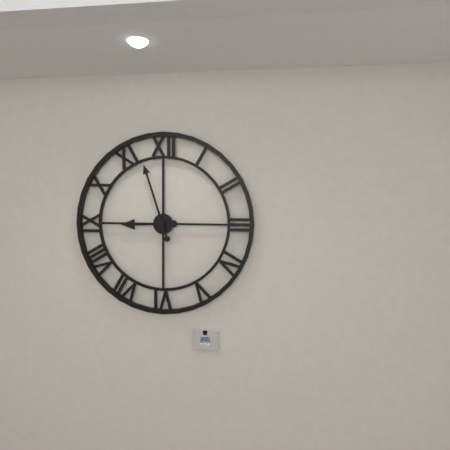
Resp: 8,57
